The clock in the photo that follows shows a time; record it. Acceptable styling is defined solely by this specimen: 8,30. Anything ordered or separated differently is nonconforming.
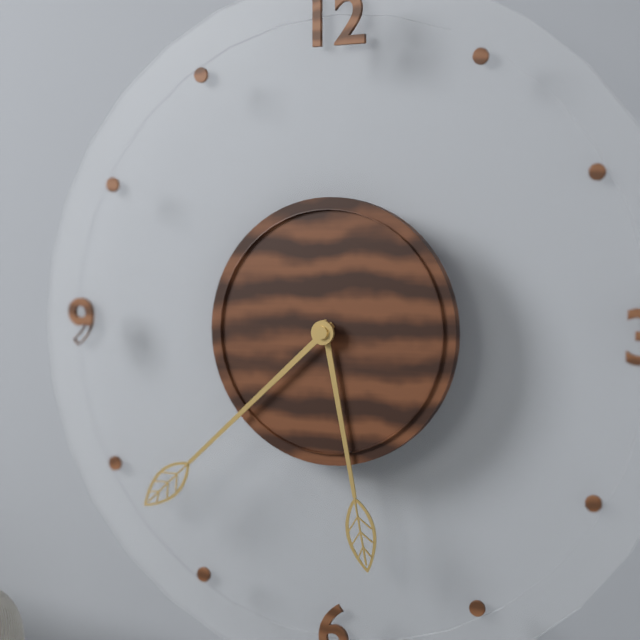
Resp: 5,38
